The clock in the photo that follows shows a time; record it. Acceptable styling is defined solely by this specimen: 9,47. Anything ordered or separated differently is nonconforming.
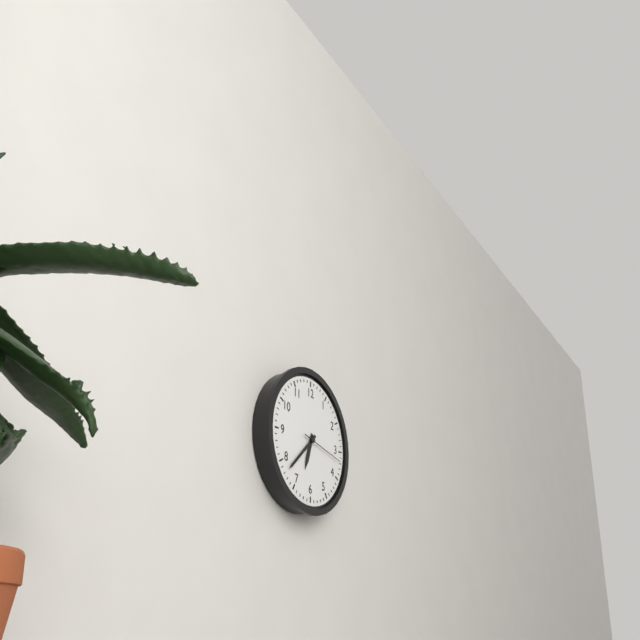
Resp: 6,38
